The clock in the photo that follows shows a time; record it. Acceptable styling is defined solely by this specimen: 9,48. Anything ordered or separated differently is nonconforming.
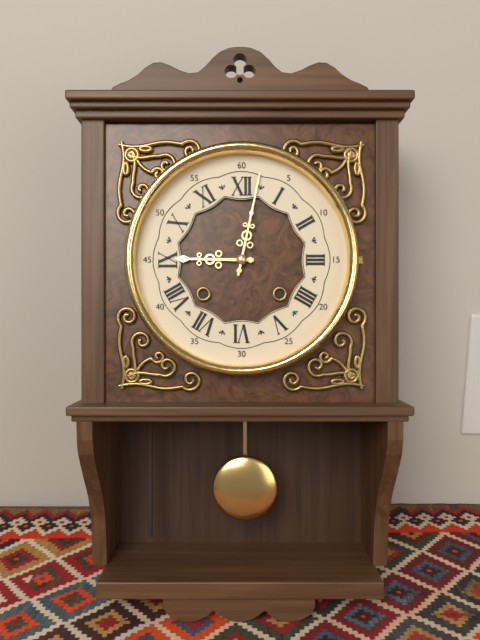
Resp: 9,02
